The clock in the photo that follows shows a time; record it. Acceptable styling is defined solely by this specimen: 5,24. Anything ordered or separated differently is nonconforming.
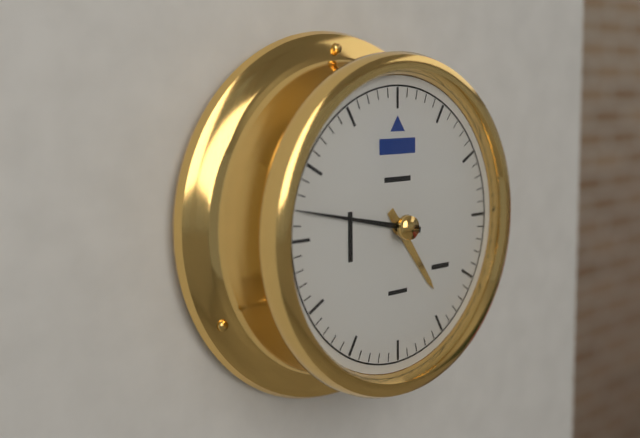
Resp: 4,47
